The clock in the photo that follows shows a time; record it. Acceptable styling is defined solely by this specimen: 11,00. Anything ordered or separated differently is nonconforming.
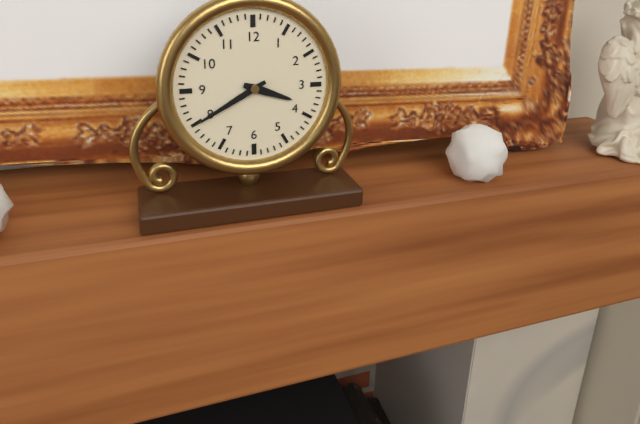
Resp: 3,40
